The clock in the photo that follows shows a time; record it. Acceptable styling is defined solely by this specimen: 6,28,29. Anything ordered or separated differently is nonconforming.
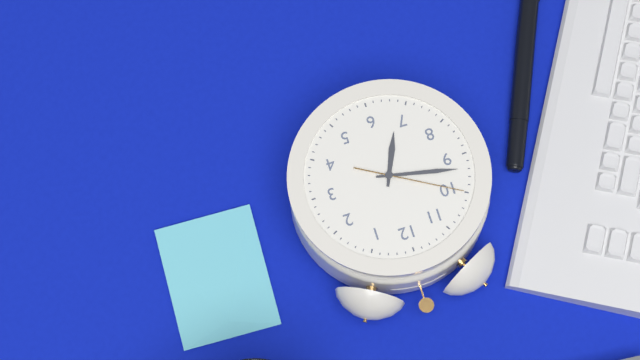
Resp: 6,47,50
